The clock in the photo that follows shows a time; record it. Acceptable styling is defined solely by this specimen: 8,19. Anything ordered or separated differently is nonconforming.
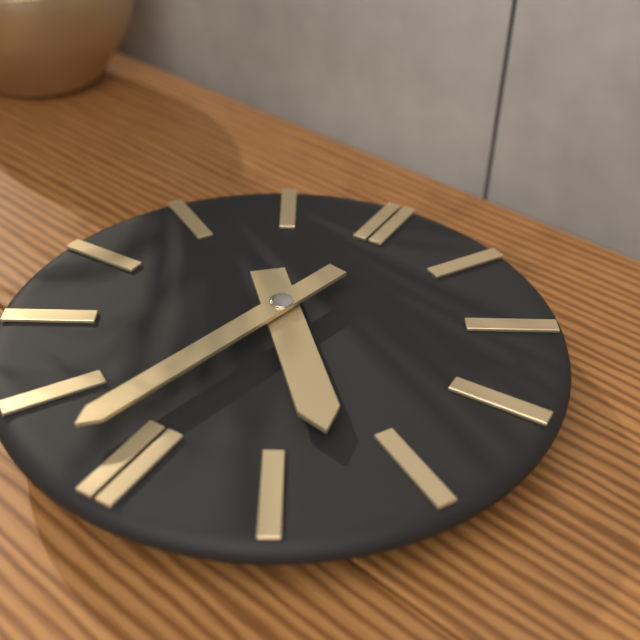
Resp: 4,32
